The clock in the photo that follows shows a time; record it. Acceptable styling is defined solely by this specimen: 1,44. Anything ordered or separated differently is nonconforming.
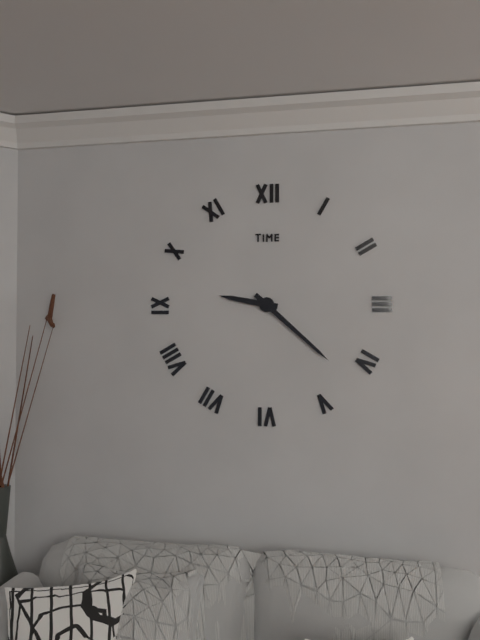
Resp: 9,22
